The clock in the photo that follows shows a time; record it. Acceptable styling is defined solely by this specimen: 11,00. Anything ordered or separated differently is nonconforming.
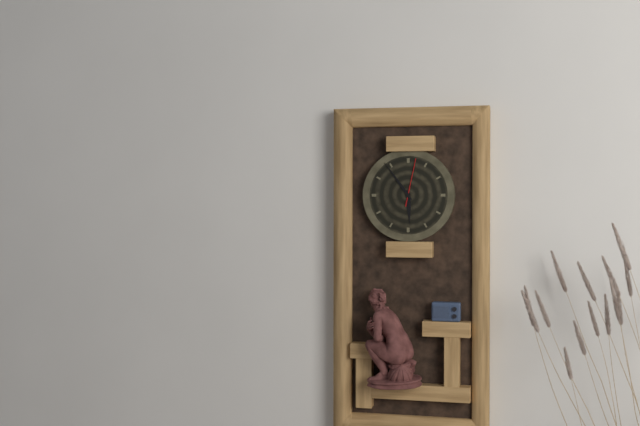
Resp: 5,54
